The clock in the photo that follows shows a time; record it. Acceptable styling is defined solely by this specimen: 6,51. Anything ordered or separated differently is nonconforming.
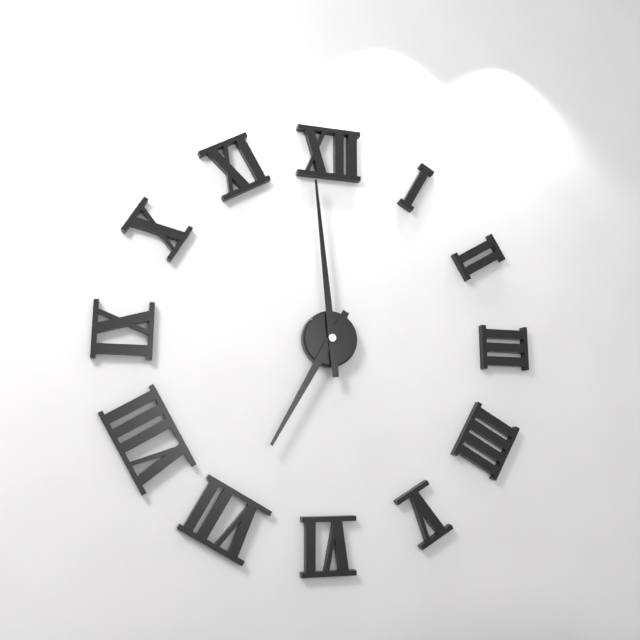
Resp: 6,59
